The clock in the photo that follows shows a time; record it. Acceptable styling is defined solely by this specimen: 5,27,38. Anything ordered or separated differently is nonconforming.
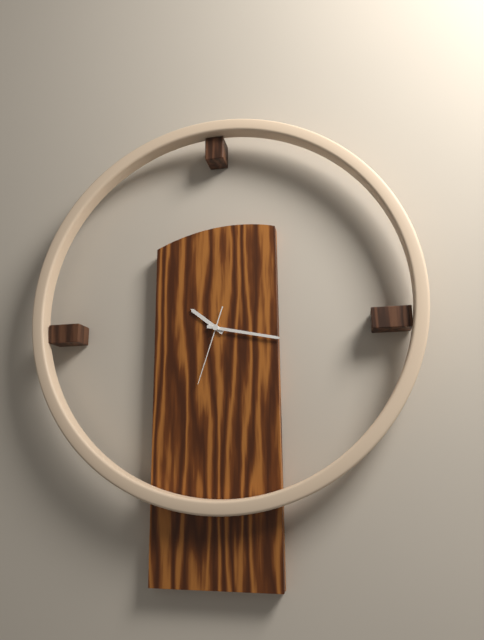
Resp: 10,17,33
